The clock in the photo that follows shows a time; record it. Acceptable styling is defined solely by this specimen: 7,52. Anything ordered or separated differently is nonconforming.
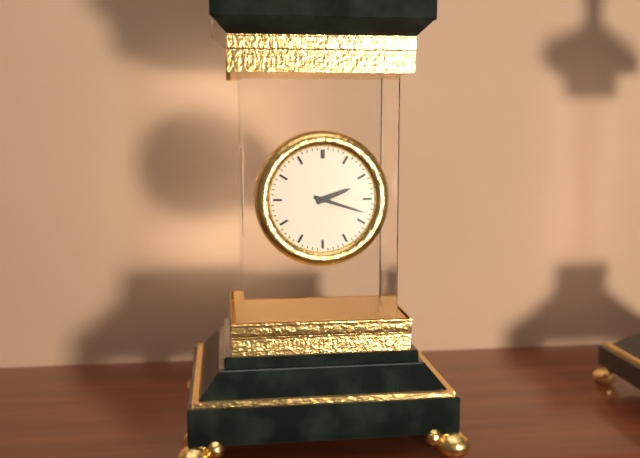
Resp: 2,18
